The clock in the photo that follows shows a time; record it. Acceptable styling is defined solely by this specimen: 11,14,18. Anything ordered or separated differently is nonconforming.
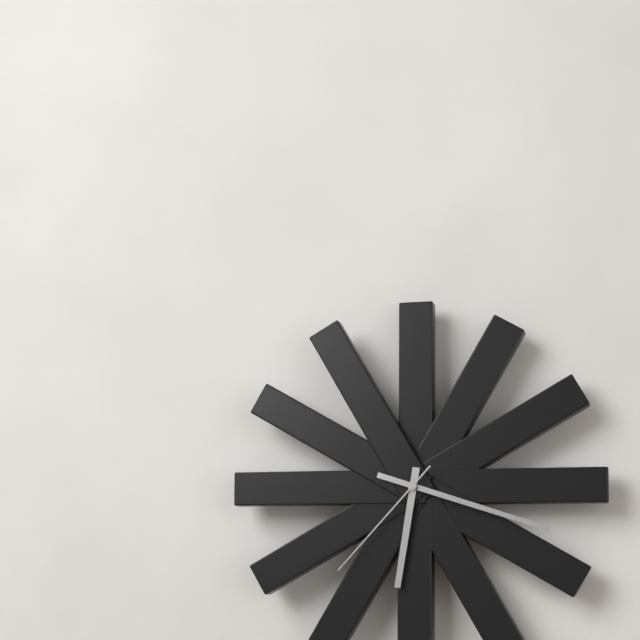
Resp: 6,18,37
